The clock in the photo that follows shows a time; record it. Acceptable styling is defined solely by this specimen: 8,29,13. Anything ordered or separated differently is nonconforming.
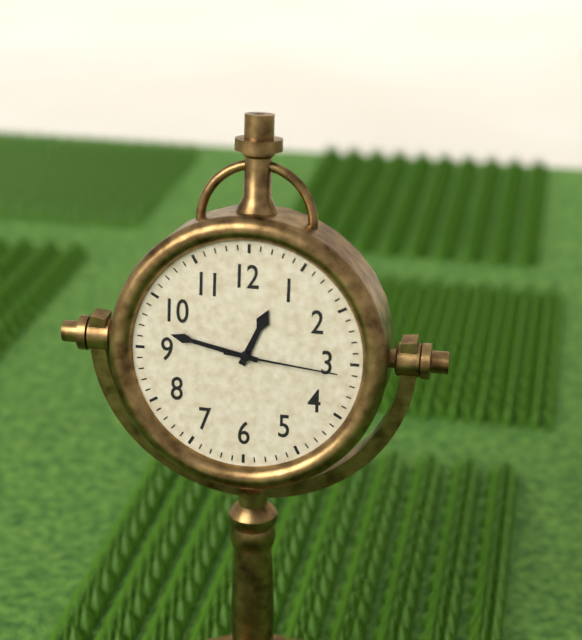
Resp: 12,47,16
